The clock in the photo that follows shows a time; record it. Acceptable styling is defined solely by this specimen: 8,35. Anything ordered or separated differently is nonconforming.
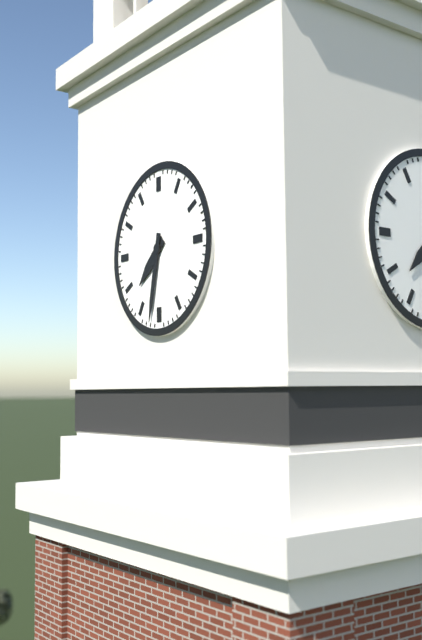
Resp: 7,32
